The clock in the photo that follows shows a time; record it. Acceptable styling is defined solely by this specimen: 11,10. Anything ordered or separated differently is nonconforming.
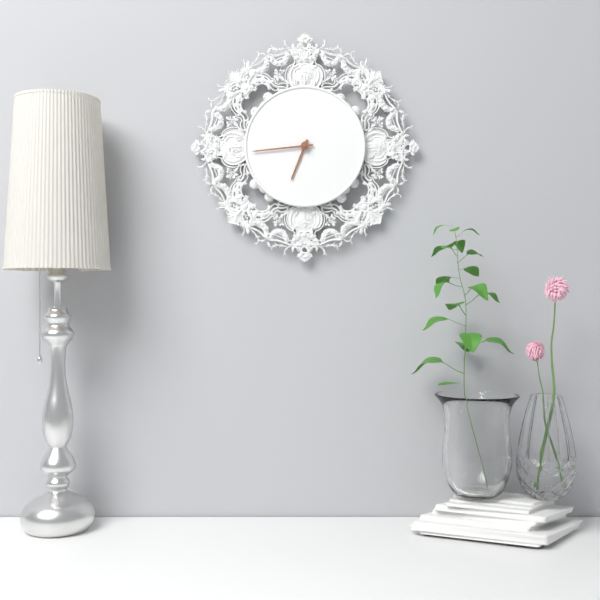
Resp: 6,44
